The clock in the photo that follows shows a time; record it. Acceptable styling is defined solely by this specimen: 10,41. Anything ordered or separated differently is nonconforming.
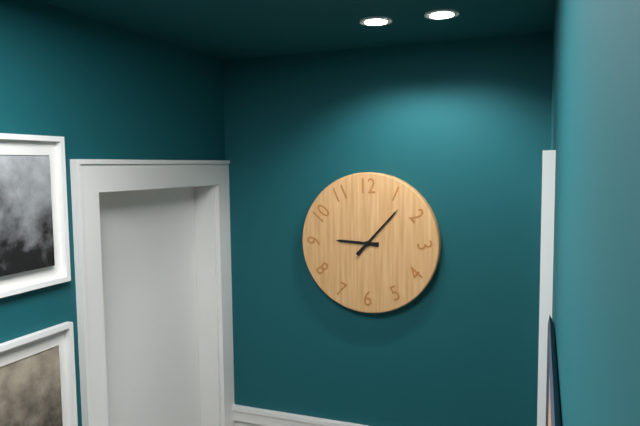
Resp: 9,07
